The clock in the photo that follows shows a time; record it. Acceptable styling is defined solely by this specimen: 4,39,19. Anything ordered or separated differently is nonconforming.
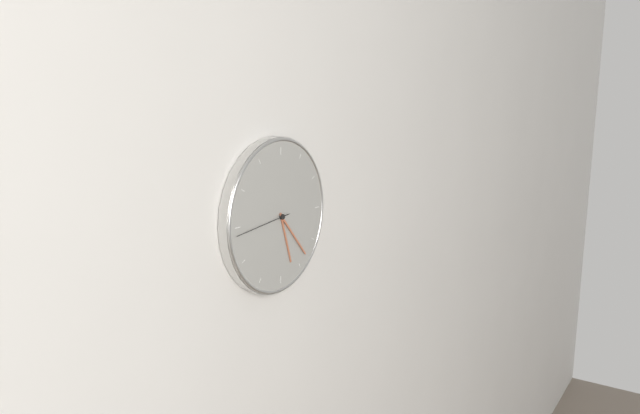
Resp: 5,23,44
